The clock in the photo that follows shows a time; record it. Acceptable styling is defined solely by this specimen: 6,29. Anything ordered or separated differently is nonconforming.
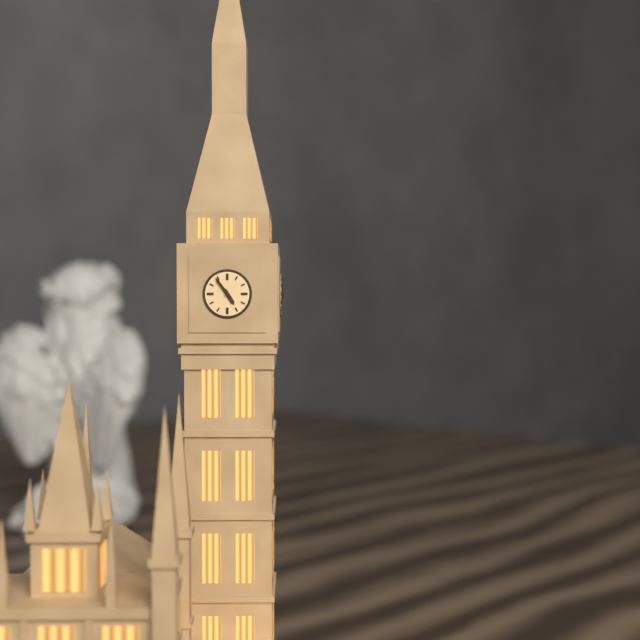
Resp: 4,54
